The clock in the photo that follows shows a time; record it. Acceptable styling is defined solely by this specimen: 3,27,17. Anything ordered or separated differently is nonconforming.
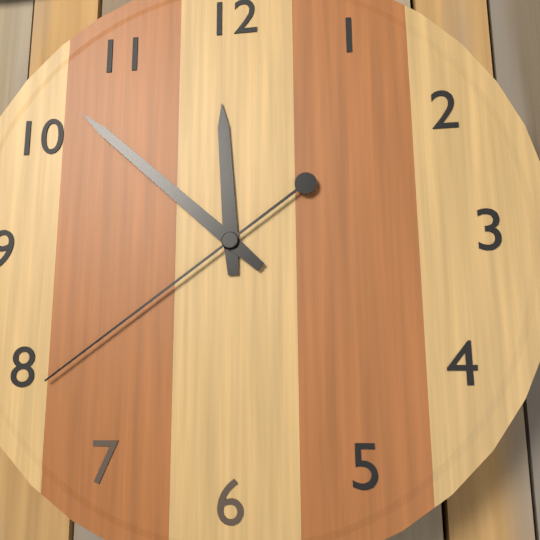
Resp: 11,52,39
